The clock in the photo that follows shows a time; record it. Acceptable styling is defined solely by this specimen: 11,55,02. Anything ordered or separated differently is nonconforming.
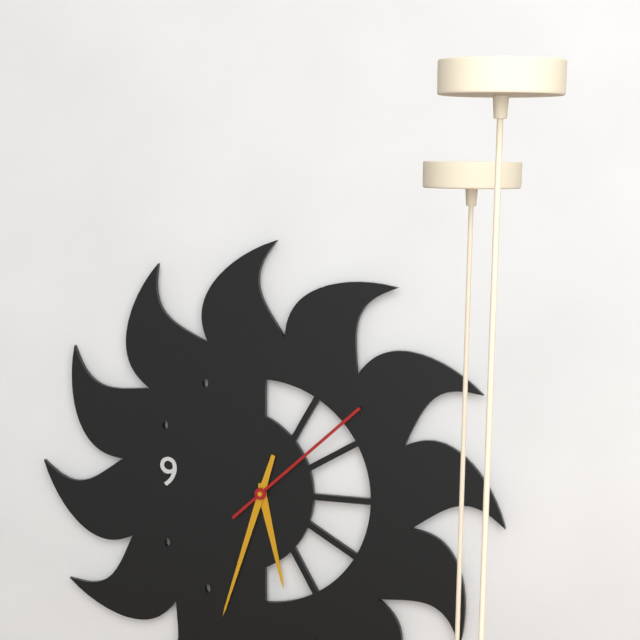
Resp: 5,33,08
